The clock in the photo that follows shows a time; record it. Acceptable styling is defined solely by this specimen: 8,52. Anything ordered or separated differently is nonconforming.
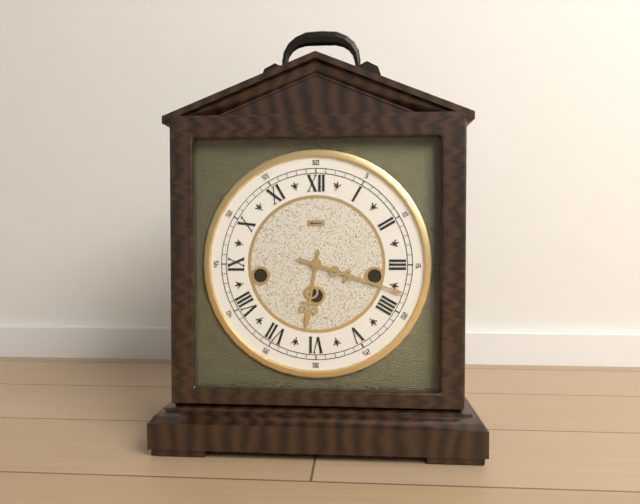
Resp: 6,18
